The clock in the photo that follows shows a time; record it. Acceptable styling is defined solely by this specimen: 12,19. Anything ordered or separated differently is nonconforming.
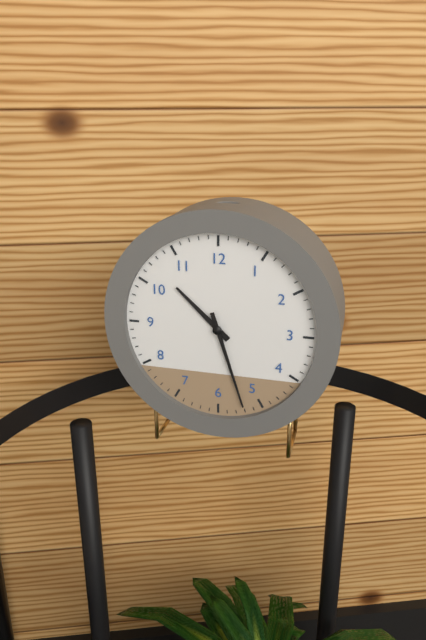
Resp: 10,27
